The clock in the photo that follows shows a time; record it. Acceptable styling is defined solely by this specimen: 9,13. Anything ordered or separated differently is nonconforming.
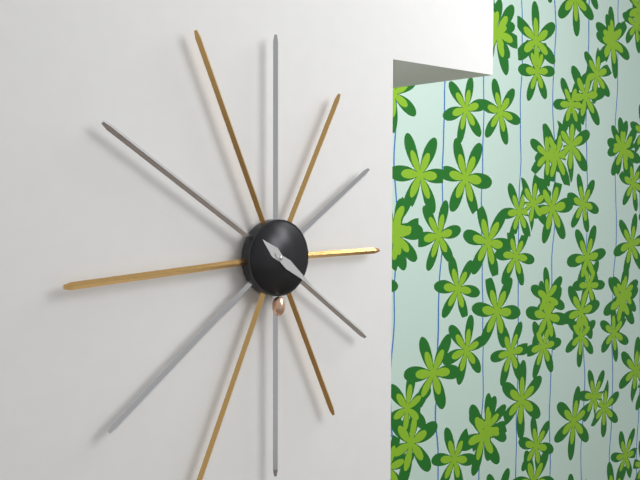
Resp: 10,21
